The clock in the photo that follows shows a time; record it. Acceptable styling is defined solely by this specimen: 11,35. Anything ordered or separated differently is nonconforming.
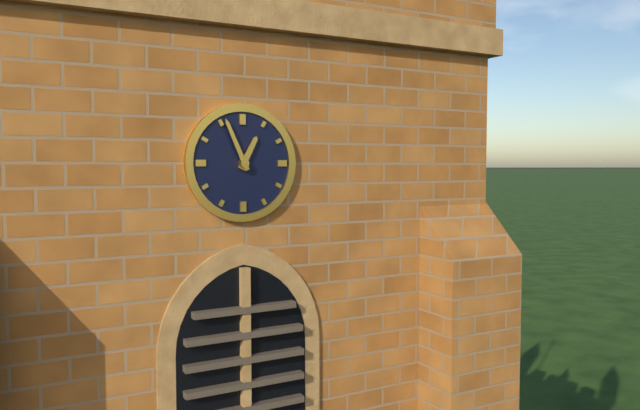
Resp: 12,56
